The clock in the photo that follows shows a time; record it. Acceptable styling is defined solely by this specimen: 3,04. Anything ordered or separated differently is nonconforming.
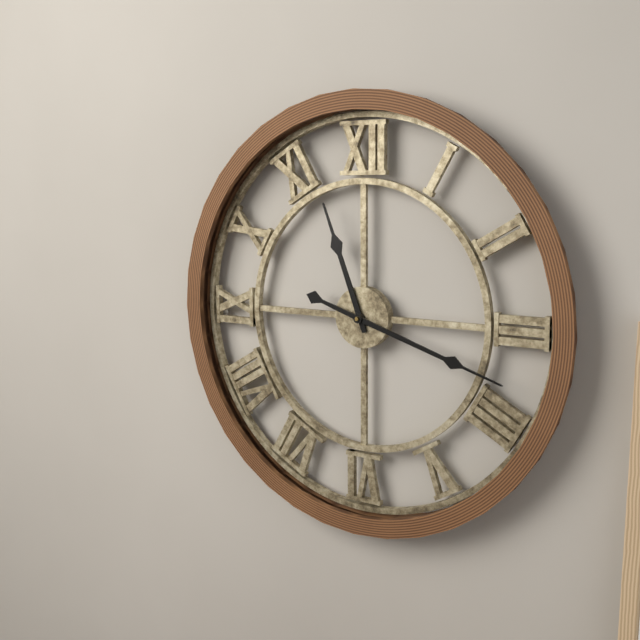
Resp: 11,18
